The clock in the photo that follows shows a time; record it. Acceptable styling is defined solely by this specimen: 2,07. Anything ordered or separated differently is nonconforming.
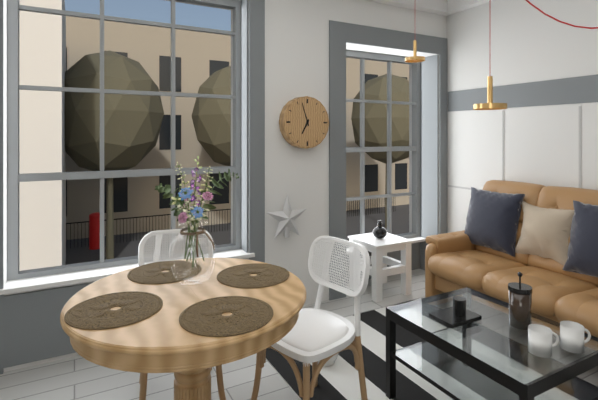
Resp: 6,57
